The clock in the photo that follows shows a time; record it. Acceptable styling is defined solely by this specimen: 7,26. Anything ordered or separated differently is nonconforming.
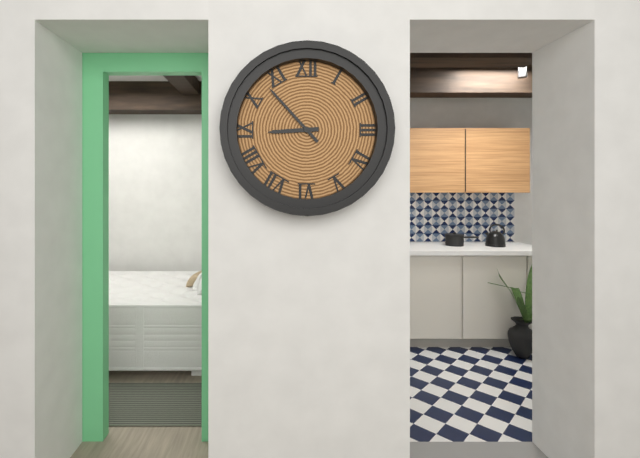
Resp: 8,53
